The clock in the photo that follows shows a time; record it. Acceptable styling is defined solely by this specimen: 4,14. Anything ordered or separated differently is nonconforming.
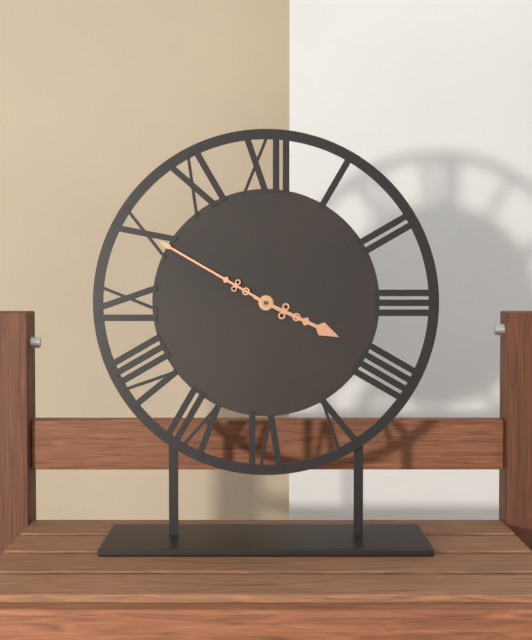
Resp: 3,50
